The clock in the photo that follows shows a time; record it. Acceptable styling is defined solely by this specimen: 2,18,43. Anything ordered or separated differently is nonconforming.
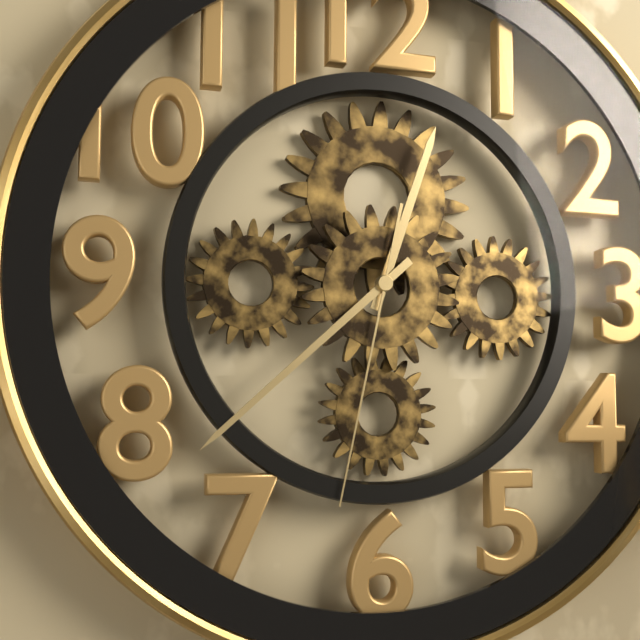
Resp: 12,38,32
